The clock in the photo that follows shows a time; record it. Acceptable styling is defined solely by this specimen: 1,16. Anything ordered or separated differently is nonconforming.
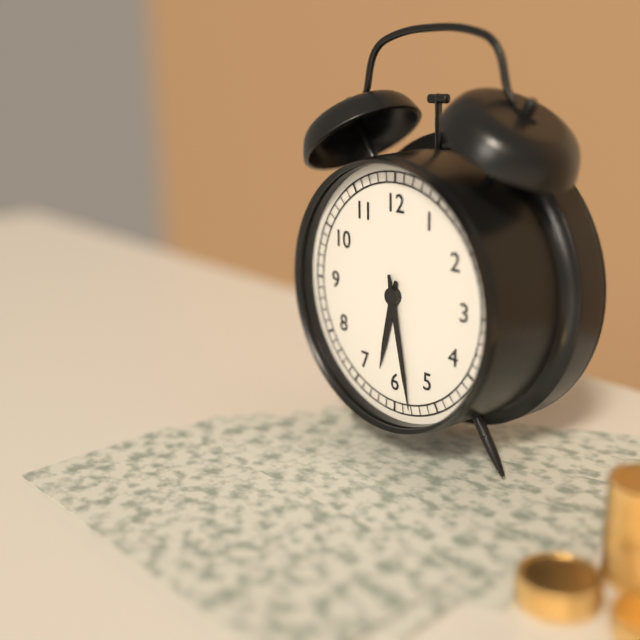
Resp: 6,28
